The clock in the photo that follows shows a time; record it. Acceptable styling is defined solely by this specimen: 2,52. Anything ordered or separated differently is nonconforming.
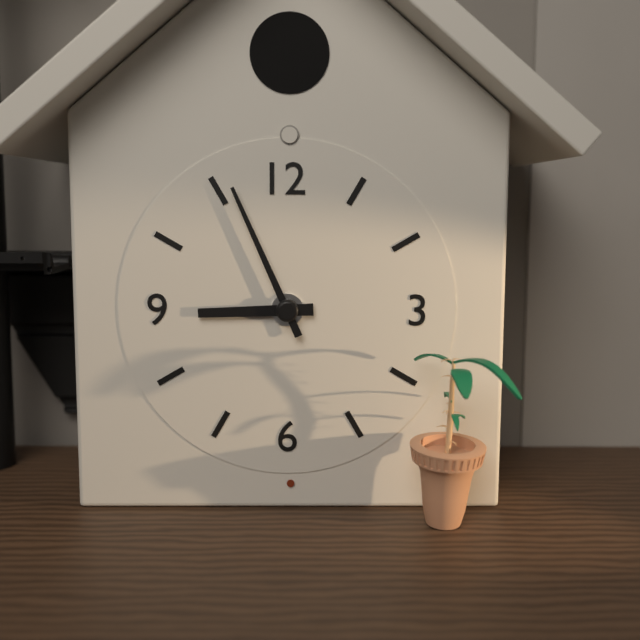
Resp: 8,56
